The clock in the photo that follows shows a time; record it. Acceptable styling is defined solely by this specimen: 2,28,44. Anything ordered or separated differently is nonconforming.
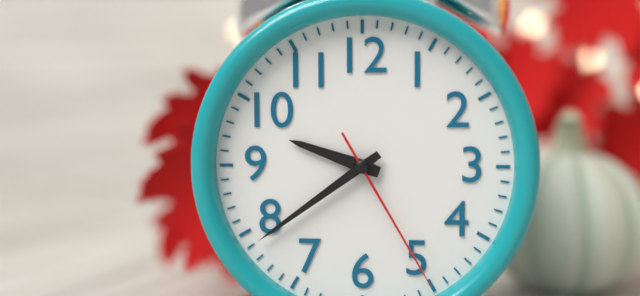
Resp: 9,39,25
